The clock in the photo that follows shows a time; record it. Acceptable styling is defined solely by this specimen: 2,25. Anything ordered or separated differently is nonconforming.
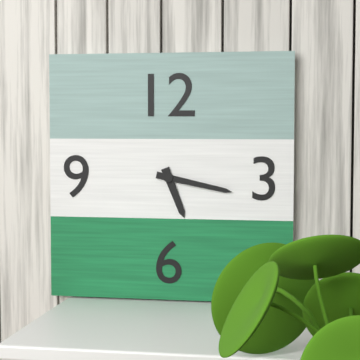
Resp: 5,17
